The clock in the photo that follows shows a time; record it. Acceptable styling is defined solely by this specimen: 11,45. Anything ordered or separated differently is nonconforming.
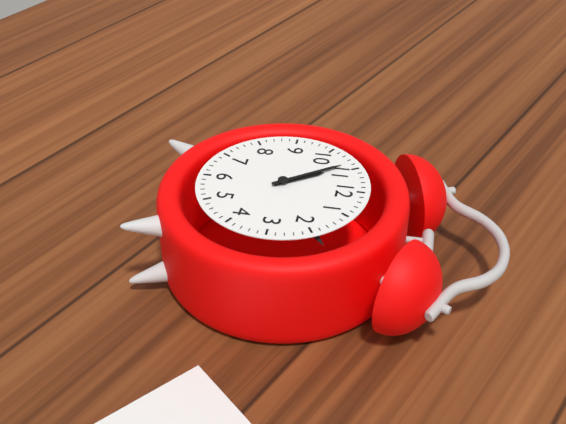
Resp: 10,54
